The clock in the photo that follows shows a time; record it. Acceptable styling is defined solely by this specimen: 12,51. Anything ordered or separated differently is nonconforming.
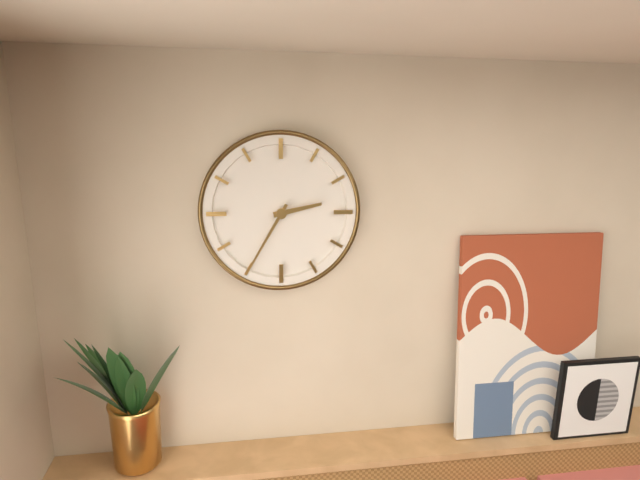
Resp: 2,35
